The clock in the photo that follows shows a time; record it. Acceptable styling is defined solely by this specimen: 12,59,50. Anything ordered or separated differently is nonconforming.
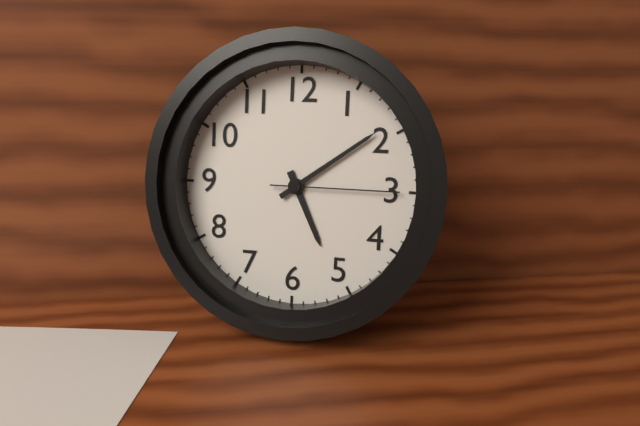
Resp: 5,09,15
